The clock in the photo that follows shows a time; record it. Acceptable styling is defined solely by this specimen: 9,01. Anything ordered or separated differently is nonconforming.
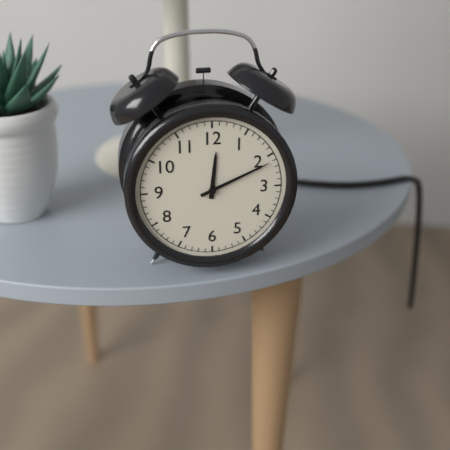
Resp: 12,11
